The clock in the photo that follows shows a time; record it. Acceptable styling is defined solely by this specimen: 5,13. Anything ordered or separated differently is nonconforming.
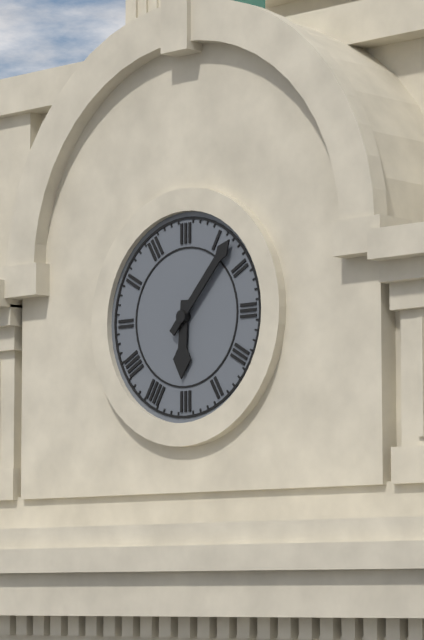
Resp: 6,07
